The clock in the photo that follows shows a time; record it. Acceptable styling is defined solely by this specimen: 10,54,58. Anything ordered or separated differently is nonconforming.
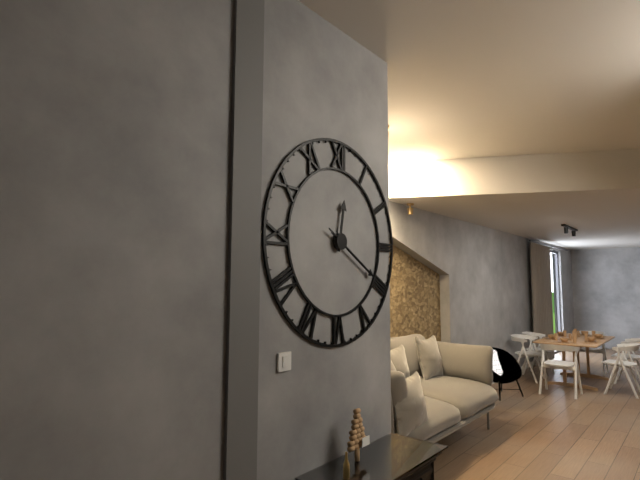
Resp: 12,20,20
